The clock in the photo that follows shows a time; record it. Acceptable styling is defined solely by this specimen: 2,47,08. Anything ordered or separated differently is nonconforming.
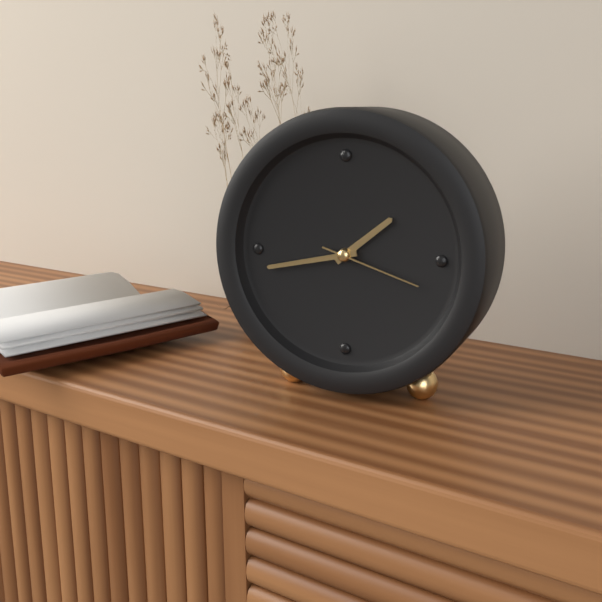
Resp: 1,43,18
